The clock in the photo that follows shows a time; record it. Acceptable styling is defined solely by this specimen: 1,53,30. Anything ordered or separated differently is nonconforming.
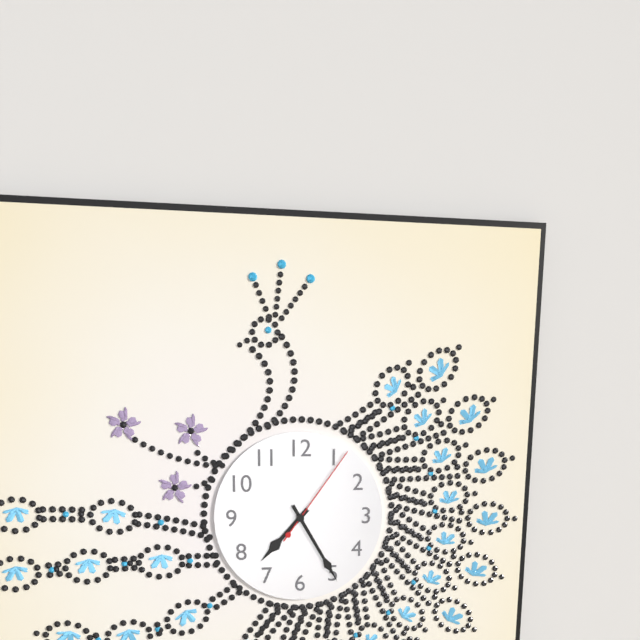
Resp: 7,25,06
